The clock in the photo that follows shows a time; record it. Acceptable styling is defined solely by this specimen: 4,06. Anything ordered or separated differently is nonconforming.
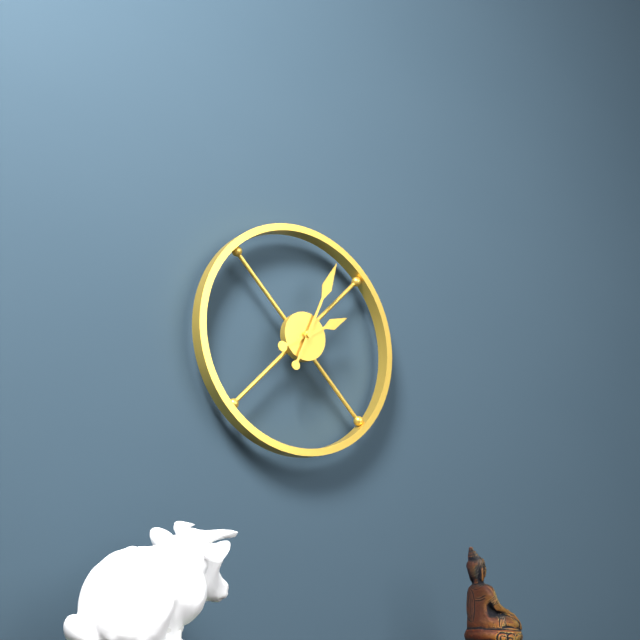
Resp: 2,04
